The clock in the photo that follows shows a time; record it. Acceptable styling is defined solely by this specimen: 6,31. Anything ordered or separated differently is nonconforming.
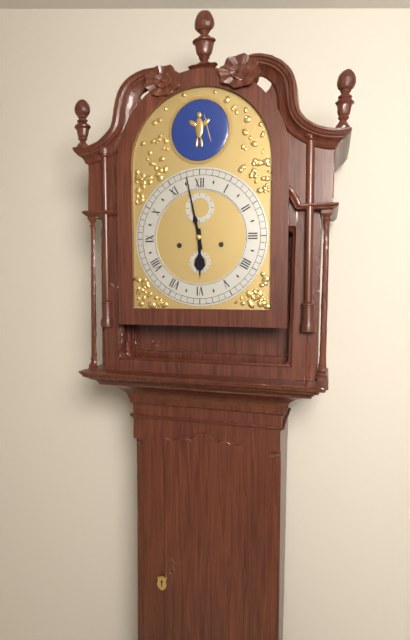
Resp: 5,58
